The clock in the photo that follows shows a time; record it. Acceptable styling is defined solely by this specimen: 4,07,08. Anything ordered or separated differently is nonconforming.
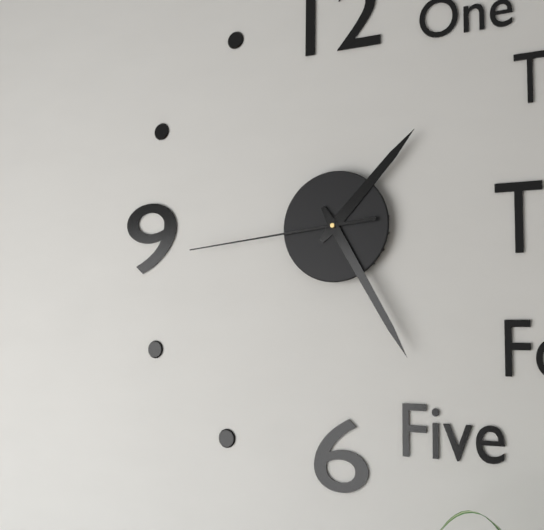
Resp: 1,25,44
